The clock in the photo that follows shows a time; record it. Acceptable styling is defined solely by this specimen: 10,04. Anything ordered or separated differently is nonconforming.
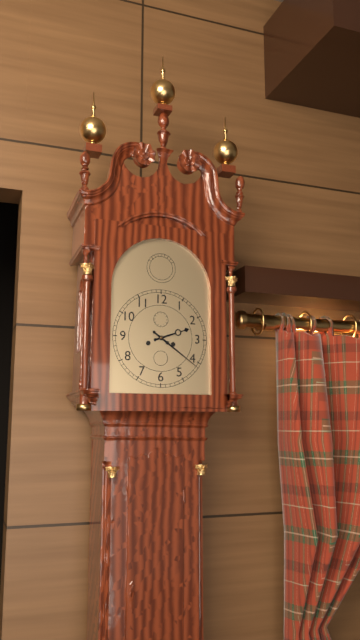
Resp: 2,21
